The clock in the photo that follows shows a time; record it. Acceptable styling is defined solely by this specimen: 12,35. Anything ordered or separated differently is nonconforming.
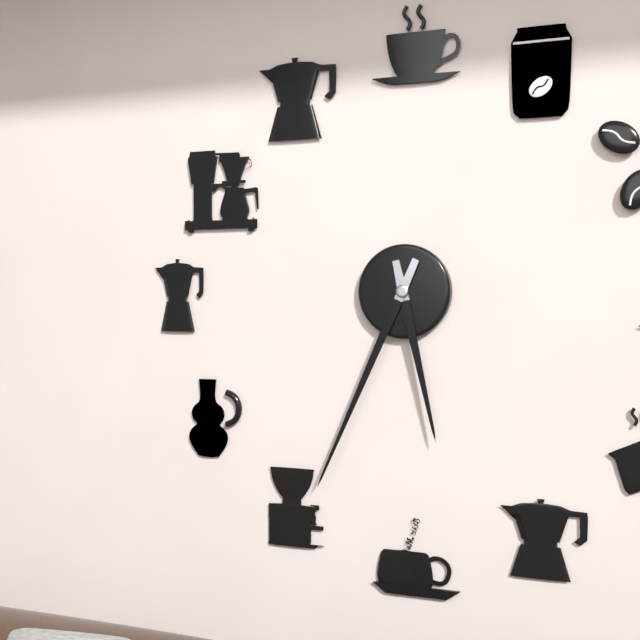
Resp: 5,34
